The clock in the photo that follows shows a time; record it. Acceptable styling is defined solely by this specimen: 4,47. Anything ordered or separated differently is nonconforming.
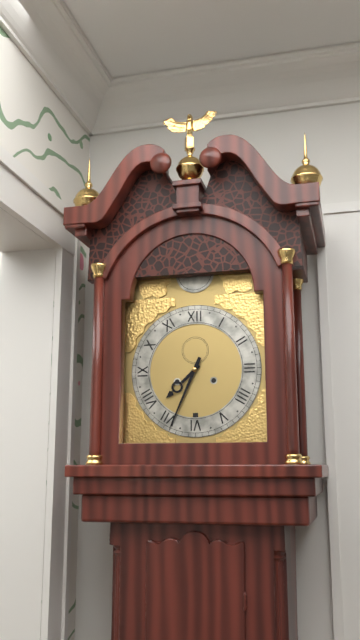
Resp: 7,34
